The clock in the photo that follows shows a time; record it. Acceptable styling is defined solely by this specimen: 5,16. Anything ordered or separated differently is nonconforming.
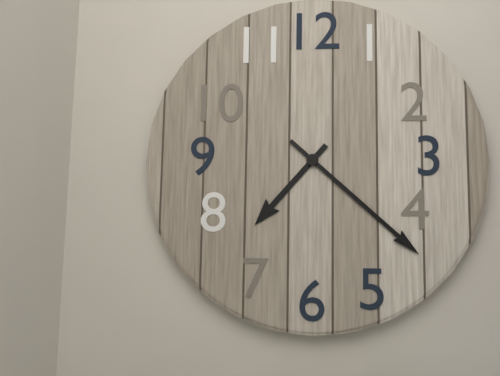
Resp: 7,22
